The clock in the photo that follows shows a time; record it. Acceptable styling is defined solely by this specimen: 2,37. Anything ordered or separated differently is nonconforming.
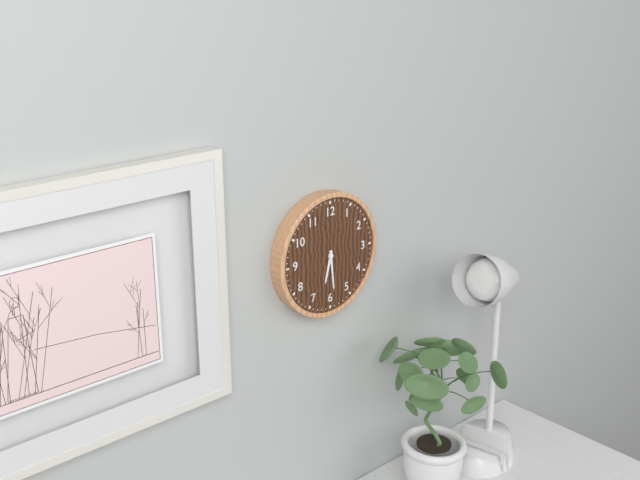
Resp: 6,29
